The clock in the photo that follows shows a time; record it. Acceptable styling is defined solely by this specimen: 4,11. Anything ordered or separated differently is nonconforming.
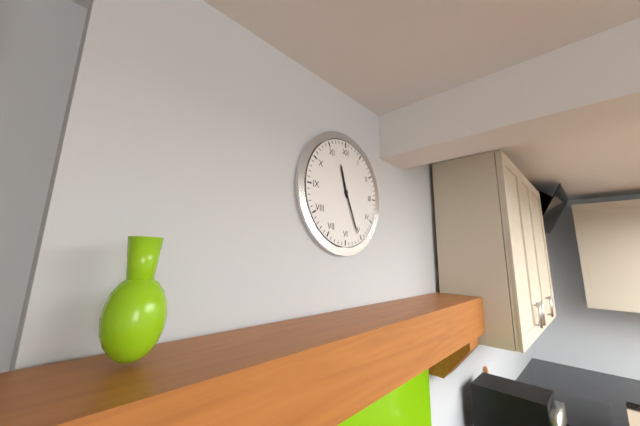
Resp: 11,26
